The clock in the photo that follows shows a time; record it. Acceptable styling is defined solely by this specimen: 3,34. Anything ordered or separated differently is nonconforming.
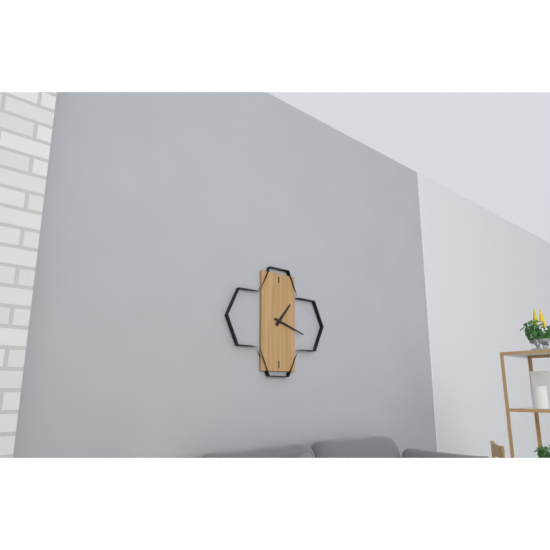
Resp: 1,18
